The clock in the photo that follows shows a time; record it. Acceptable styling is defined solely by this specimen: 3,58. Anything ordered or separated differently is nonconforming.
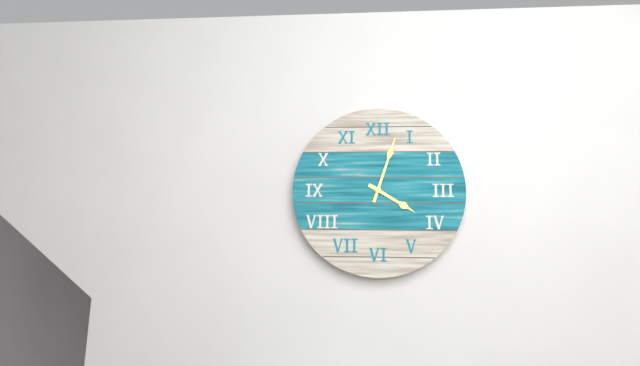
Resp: 4,03
